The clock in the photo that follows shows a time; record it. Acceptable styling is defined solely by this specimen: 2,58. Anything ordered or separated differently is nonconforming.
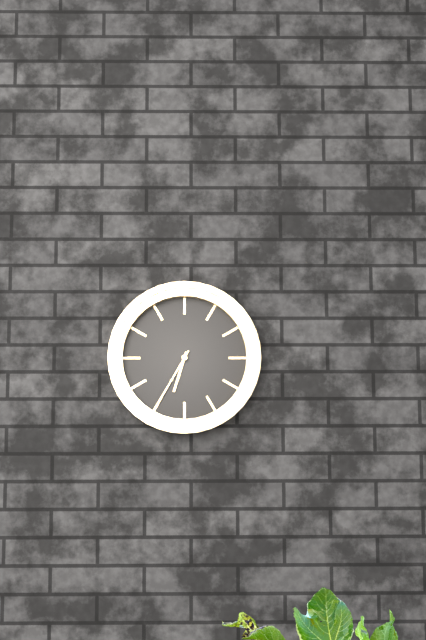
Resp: 6,35
